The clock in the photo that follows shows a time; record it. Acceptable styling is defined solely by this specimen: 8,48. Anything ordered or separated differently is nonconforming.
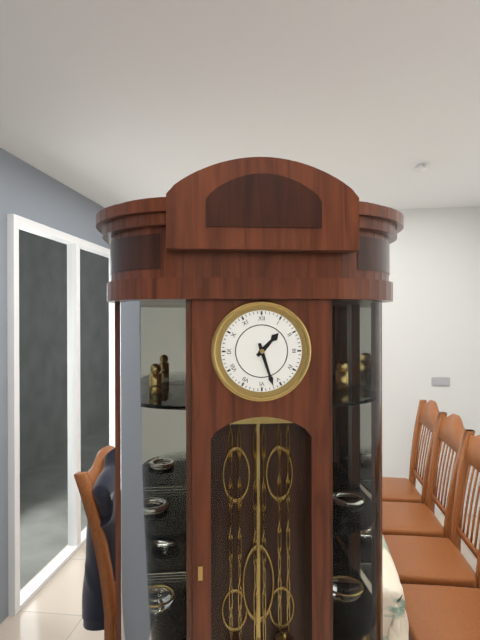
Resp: 1,27
